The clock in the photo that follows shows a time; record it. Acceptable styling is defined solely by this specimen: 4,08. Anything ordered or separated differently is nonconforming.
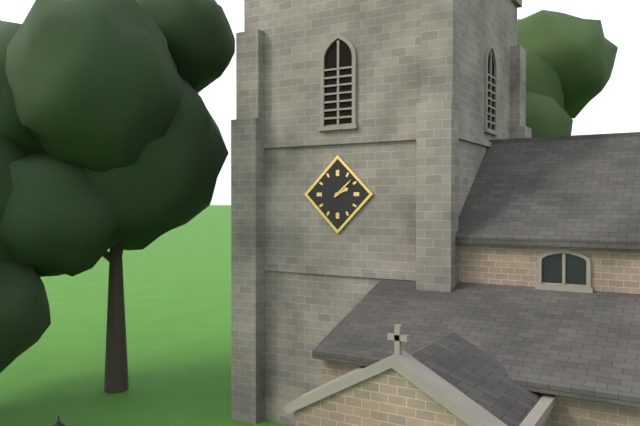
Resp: 2,08
